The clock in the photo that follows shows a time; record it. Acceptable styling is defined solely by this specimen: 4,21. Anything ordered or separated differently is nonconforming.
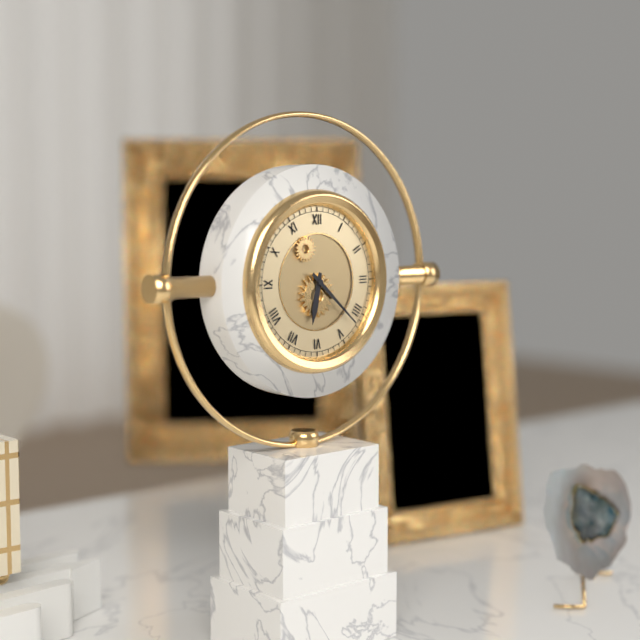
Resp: 6,22
